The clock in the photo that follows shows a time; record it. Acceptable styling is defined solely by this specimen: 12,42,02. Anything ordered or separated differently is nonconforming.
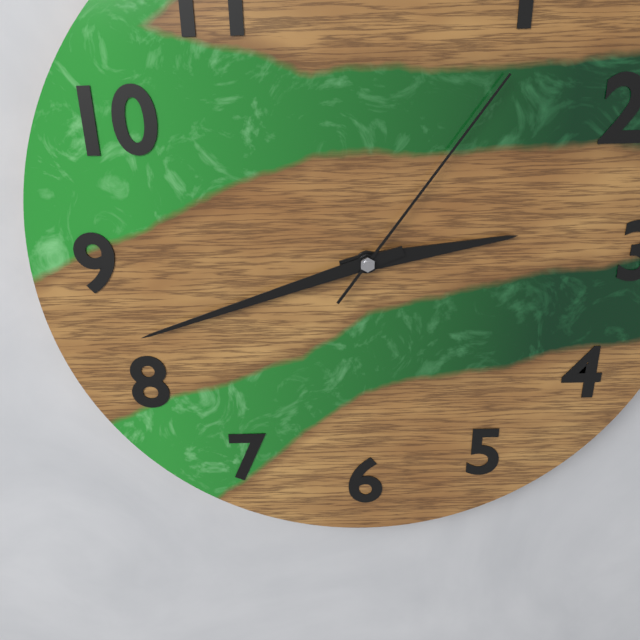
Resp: 2,42,06
